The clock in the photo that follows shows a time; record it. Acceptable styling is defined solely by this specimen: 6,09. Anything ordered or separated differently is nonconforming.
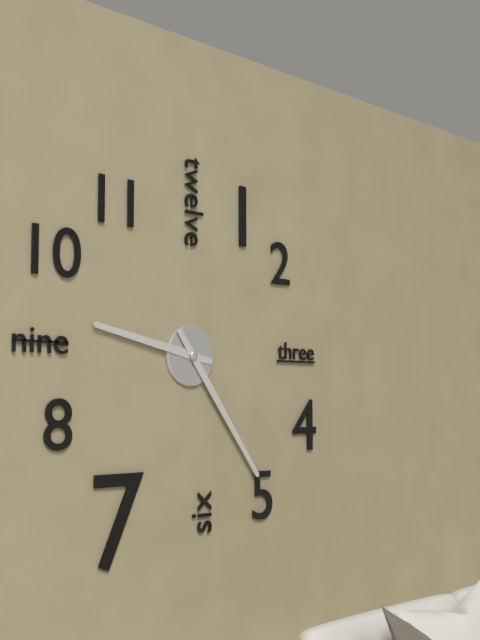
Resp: 9,24
